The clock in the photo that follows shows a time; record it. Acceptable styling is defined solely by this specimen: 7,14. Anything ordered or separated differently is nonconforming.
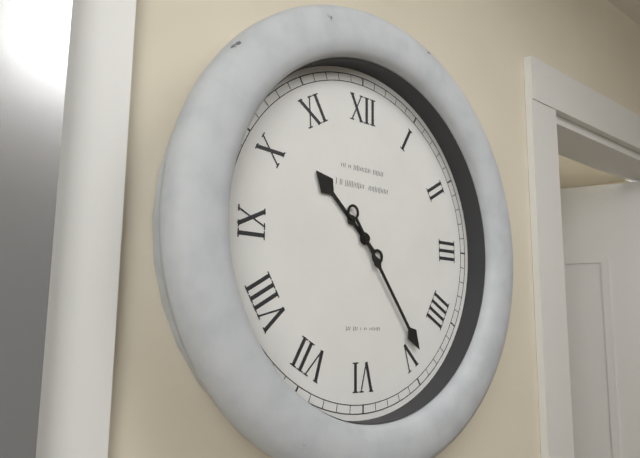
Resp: 10,24
